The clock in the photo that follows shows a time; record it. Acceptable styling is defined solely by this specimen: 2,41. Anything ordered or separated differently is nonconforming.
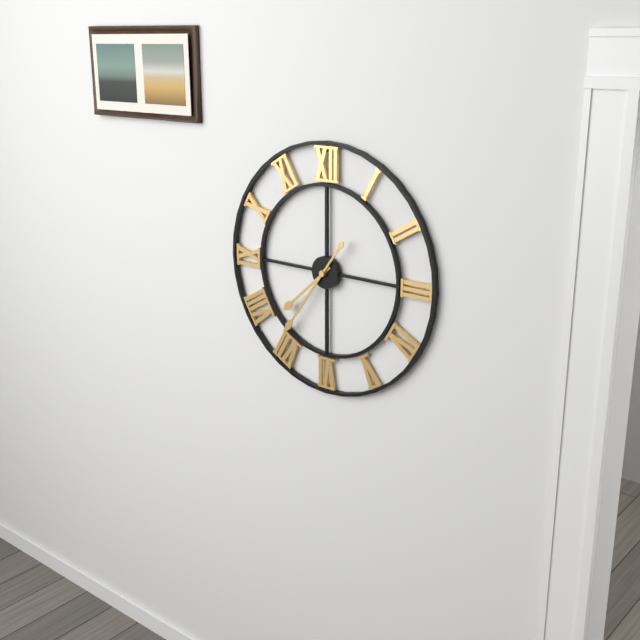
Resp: 7,36
